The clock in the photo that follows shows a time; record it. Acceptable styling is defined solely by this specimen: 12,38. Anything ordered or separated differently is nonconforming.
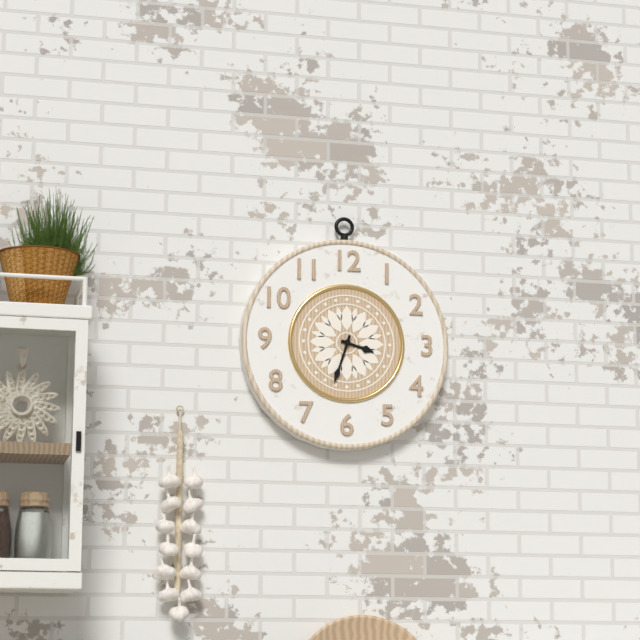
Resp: 3,33
